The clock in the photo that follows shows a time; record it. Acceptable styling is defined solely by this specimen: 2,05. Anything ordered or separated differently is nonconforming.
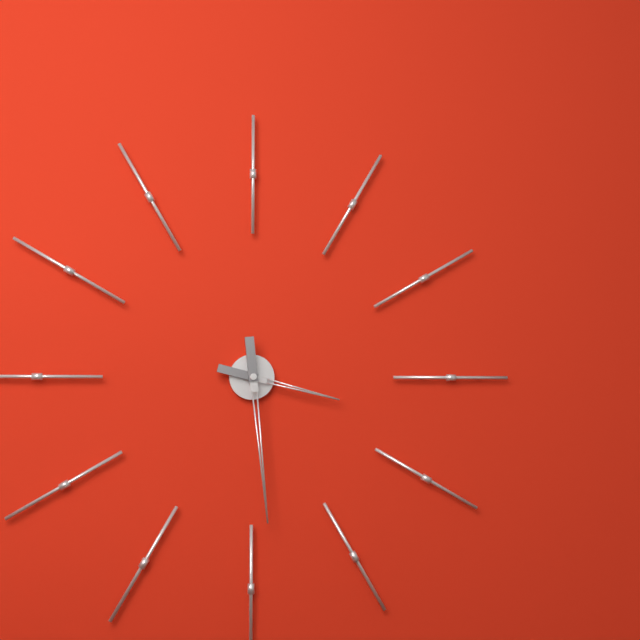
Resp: 3,29
